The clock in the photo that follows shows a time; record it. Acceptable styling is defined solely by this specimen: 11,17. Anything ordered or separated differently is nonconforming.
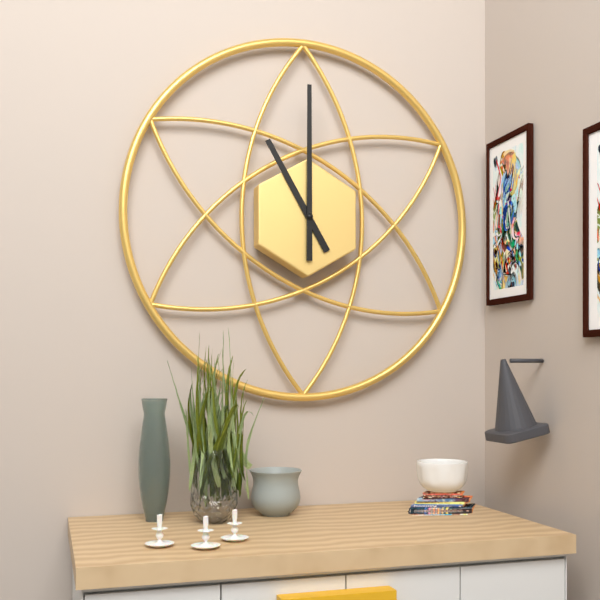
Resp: 11,00
